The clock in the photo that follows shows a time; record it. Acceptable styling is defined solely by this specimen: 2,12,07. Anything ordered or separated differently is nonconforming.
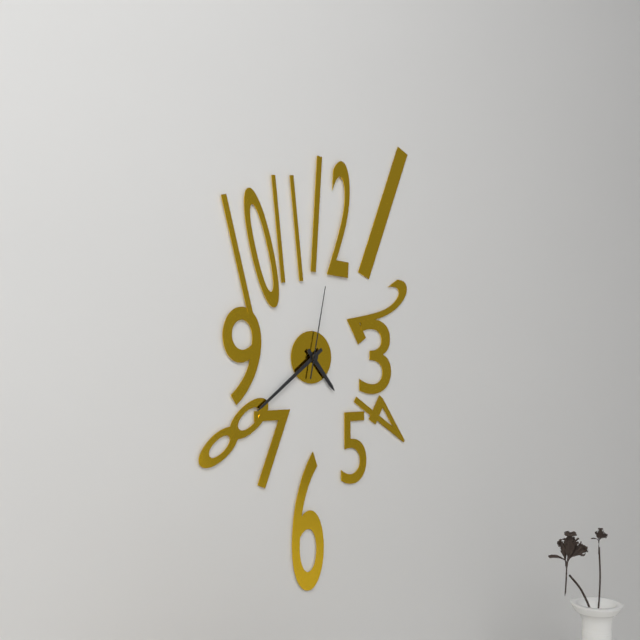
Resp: 4,39,02
